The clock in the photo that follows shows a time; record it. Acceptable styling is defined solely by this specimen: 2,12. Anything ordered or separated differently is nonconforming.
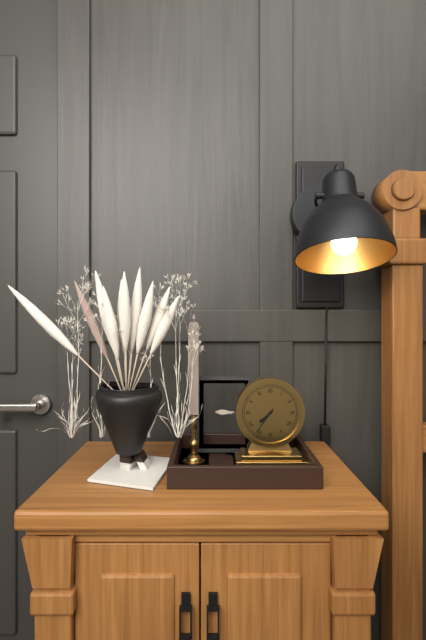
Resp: 7,36
